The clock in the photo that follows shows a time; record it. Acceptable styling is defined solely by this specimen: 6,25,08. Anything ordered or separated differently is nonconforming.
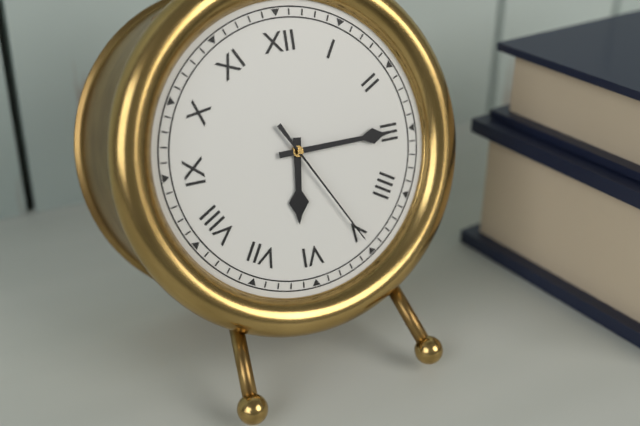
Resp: 6,15,25
